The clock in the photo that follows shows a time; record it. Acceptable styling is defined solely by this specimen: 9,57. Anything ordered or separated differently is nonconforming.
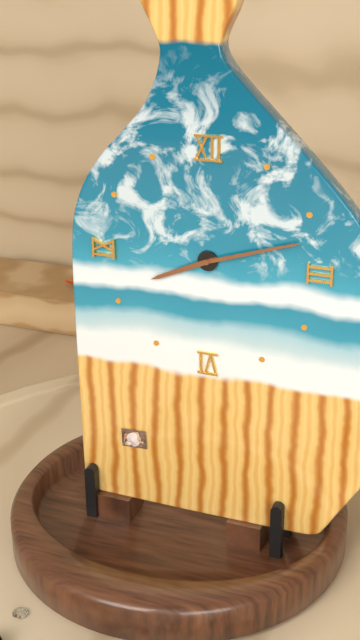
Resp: 8,12
